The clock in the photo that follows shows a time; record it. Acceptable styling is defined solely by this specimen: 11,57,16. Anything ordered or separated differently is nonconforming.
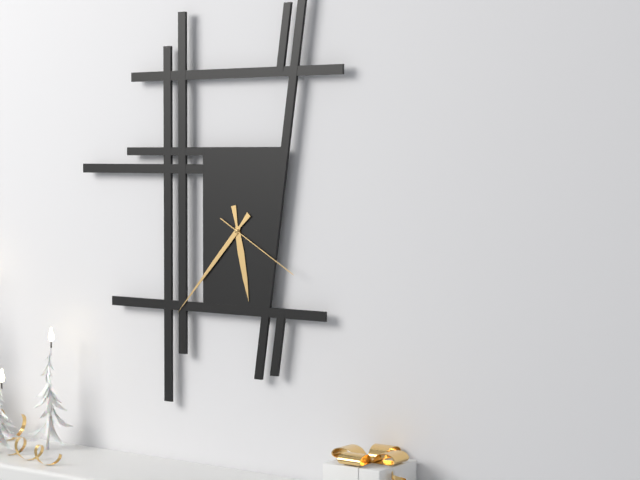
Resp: 5,37,20
